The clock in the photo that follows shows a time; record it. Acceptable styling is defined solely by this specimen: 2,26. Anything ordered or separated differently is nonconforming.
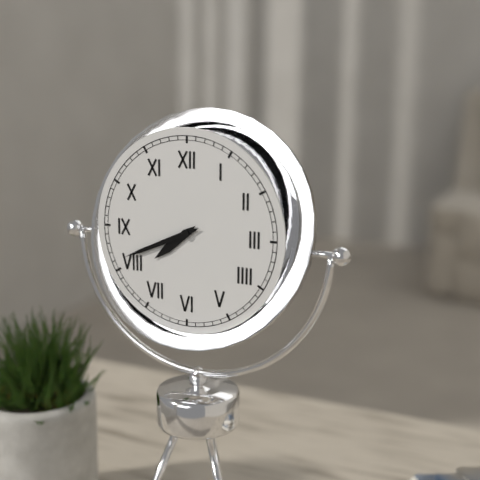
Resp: 7,41
